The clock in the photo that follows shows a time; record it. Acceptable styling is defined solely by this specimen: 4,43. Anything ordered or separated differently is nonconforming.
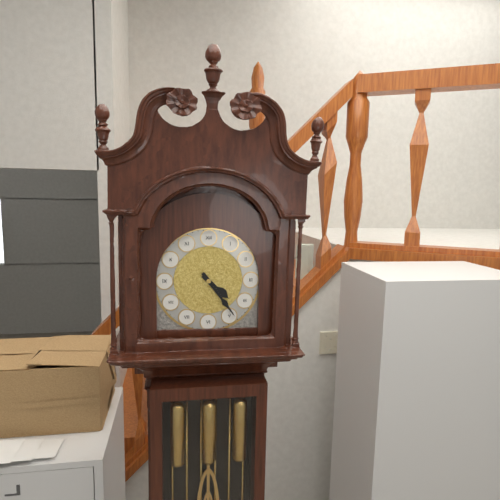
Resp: 4,24
